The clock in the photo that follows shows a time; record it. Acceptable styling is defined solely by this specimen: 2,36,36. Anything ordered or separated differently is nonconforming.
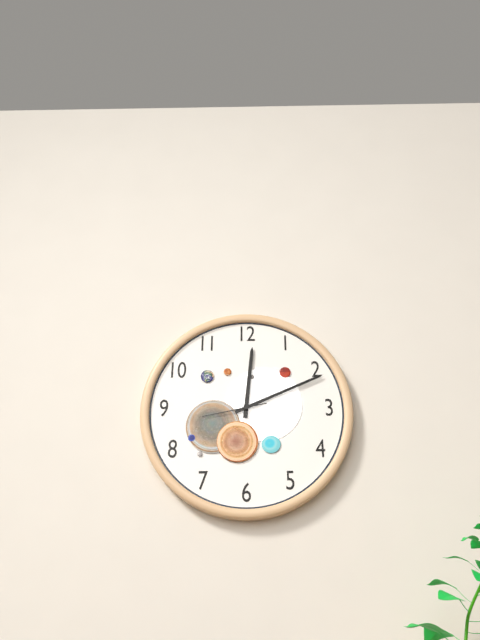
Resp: 12,11,43
